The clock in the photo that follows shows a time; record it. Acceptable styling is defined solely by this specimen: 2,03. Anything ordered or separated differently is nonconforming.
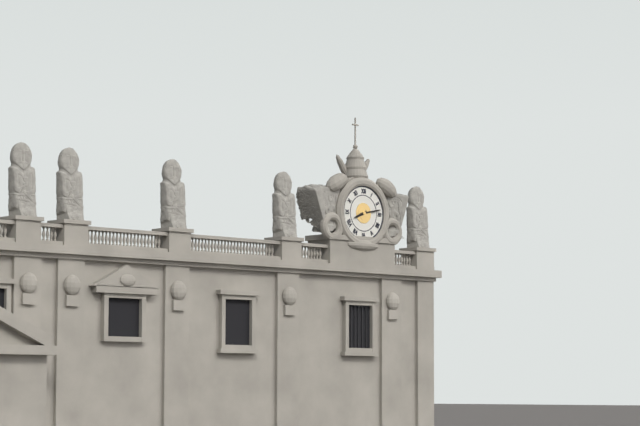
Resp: 8,13
